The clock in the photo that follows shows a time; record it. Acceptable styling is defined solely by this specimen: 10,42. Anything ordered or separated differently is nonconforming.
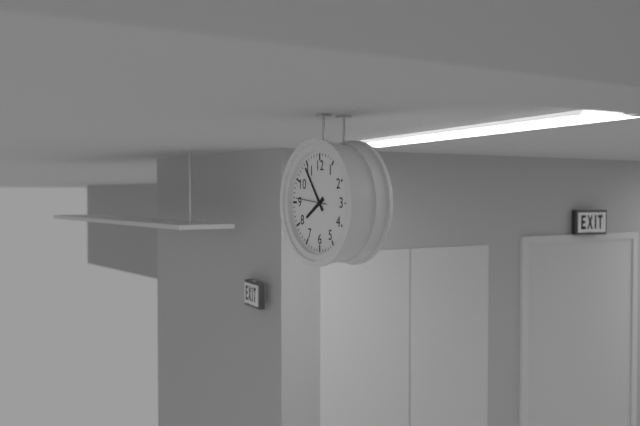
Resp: 7,54
